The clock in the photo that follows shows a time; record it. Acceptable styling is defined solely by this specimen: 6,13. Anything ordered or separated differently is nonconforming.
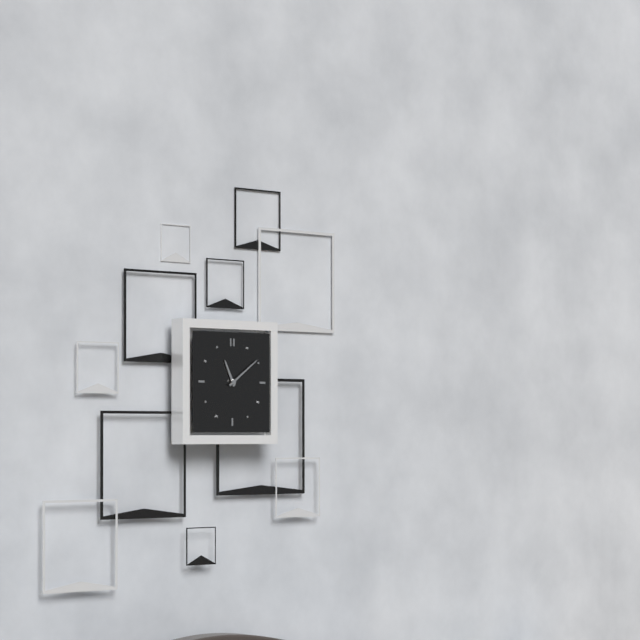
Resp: 11,09
